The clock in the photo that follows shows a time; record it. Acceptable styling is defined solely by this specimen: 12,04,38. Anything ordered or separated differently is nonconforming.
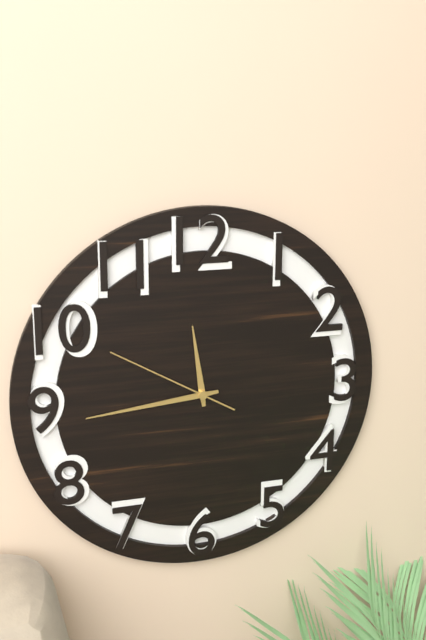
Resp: 11,44,50
